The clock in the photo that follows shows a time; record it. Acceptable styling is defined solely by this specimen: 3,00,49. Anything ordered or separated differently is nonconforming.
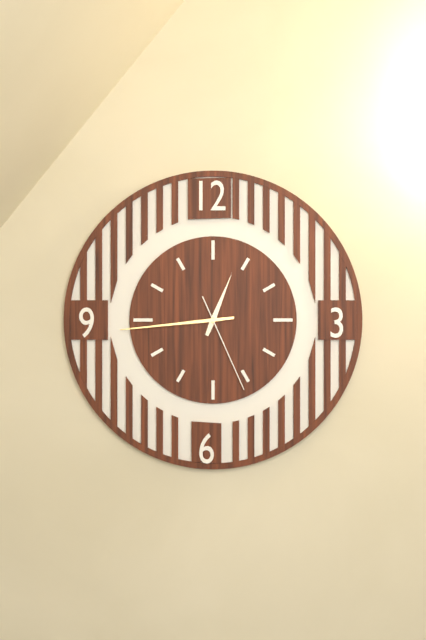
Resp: 12,44,26
